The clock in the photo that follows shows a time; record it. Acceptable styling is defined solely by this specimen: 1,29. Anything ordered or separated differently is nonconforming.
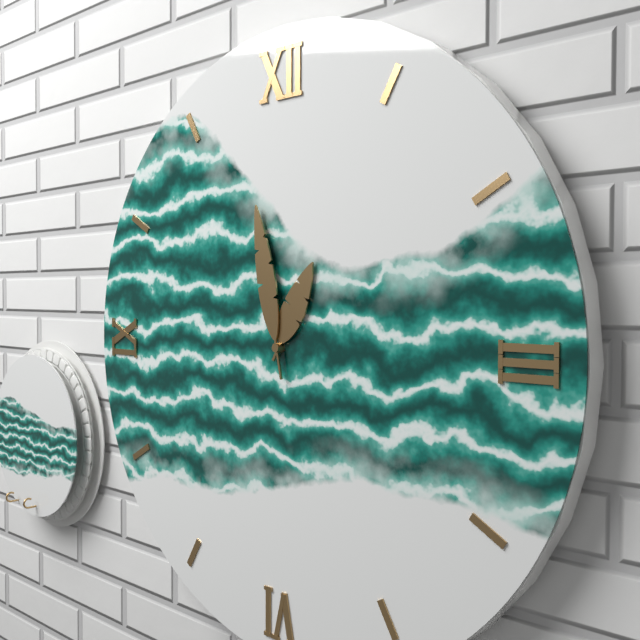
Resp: 12,58
